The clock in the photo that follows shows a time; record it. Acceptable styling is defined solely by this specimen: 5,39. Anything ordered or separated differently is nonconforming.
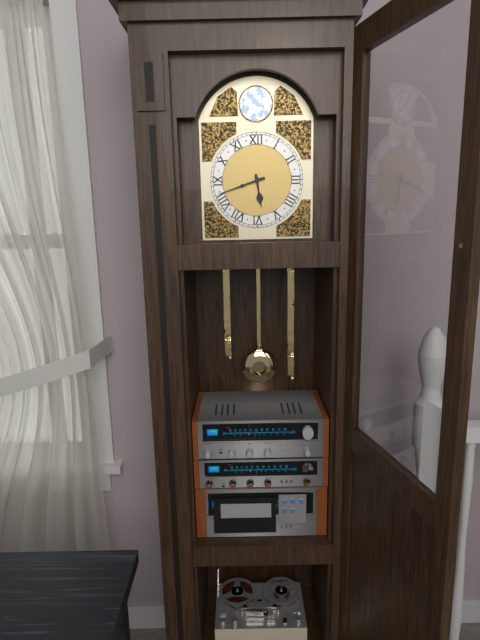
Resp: 5,42
